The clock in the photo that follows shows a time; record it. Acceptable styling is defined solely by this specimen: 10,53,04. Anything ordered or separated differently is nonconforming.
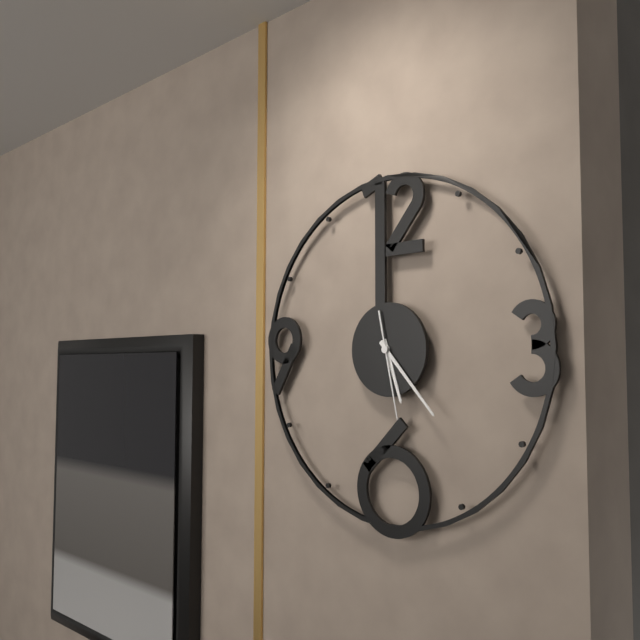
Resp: 5,23,28
